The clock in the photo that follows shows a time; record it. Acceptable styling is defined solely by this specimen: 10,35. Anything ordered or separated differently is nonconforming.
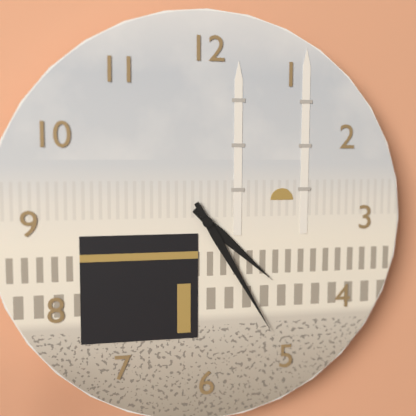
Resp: 4,25
